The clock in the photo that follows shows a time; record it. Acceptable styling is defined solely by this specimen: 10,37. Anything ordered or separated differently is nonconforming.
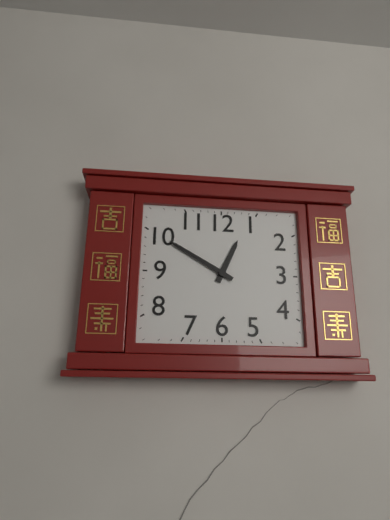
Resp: 12,50
